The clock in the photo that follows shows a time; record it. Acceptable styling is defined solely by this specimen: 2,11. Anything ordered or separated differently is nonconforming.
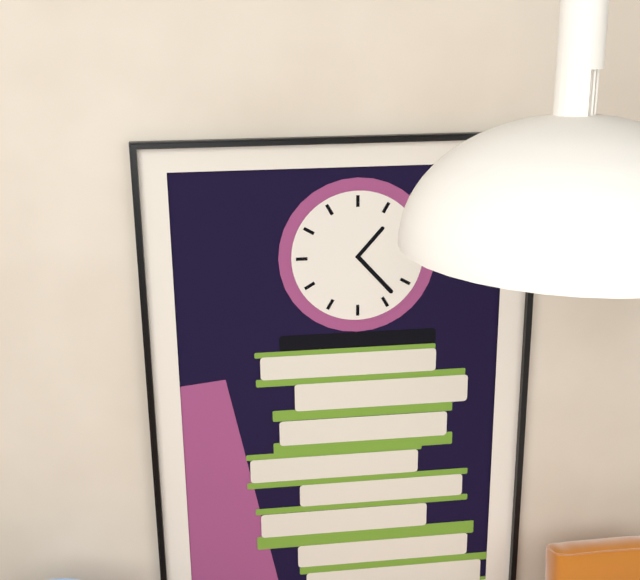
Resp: 1,23
